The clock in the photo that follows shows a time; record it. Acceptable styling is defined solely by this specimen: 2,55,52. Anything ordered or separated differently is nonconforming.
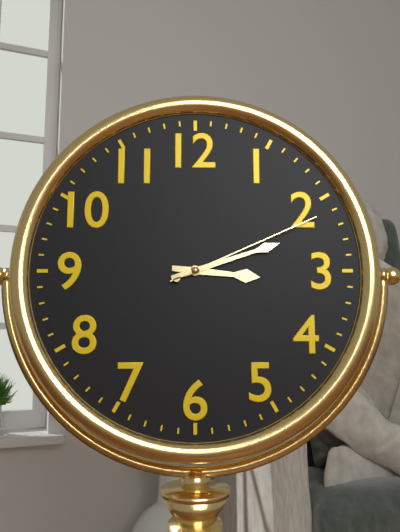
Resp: 3,12,11
